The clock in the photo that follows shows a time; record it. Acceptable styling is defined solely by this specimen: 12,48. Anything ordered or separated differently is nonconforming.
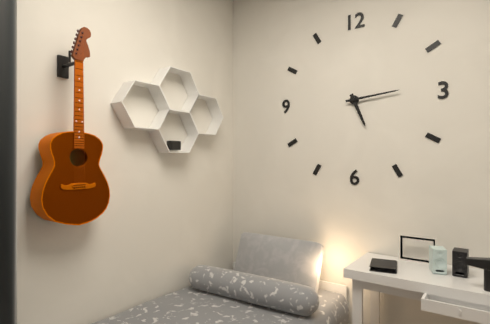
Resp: 5,14
